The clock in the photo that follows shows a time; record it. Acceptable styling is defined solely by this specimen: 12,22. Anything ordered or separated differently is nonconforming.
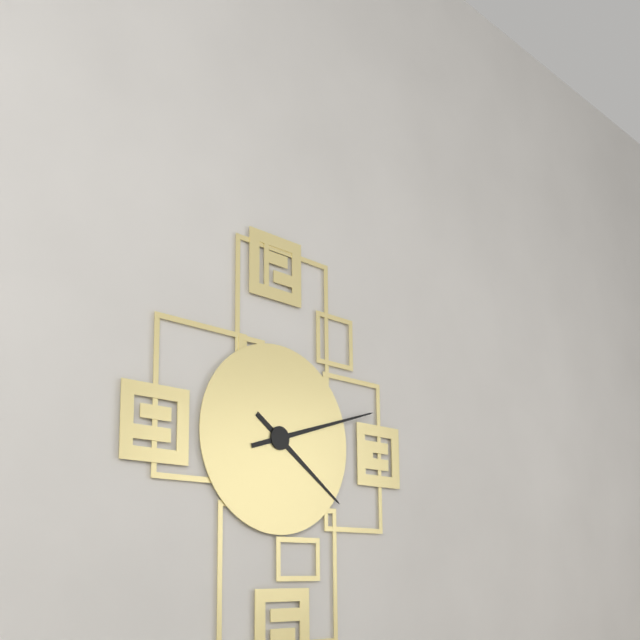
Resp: 4,12
